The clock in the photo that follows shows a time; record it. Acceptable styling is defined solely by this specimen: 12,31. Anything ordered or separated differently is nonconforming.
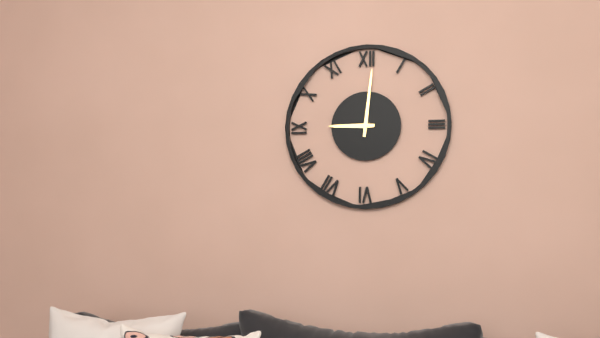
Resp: 9,01
